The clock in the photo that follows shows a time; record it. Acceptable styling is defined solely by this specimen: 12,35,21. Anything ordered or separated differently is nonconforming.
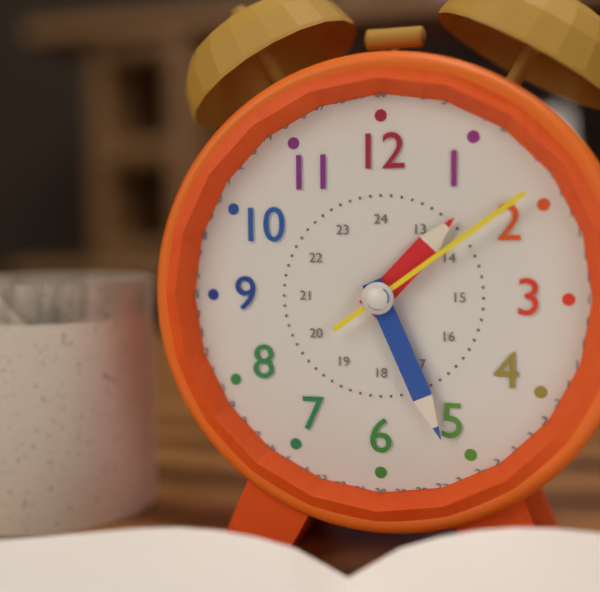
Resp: 1,26,09
